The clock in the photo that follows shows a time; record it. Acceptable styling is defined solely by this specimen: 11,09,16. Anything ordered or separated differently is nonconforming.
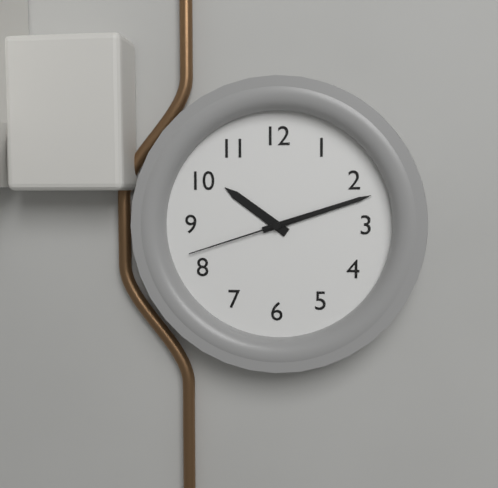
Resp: 10,12,42
